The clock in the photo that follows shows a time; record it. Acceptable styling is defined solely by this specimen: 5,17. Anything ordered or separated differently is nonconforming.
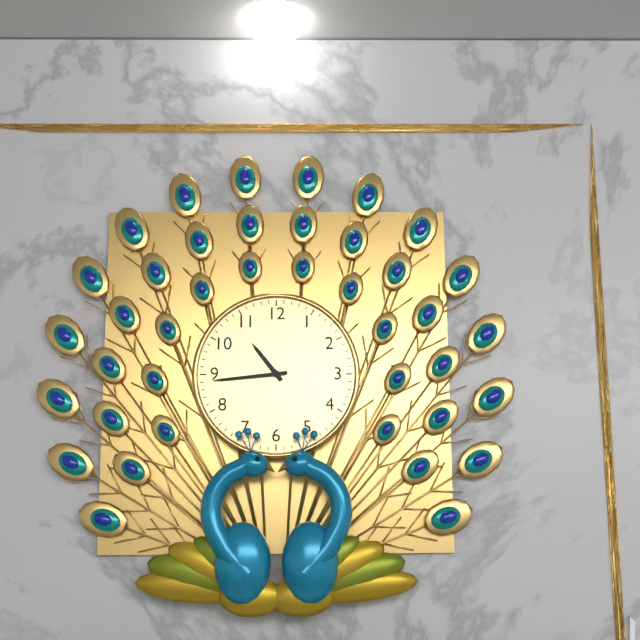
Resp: 10,44
